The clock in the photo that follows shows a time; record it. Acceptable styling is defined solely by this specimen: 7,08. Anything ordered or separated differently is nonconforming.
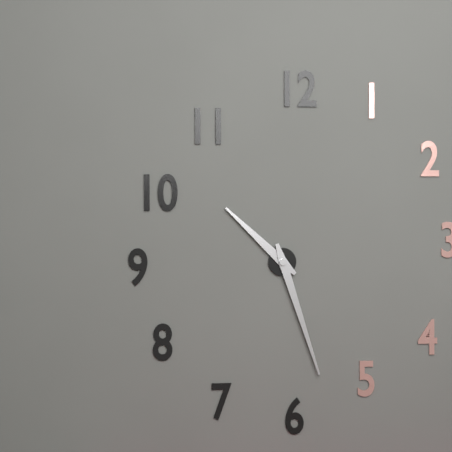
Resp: 10,27
